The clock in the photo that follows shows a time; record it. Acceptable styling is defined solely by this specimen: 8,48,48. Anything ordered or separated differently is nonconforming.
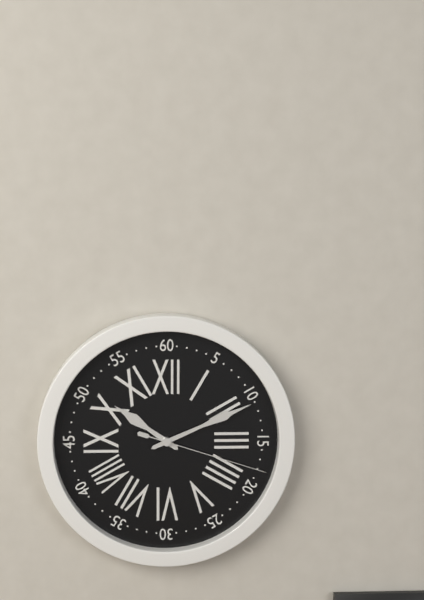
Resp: 10,11,18
